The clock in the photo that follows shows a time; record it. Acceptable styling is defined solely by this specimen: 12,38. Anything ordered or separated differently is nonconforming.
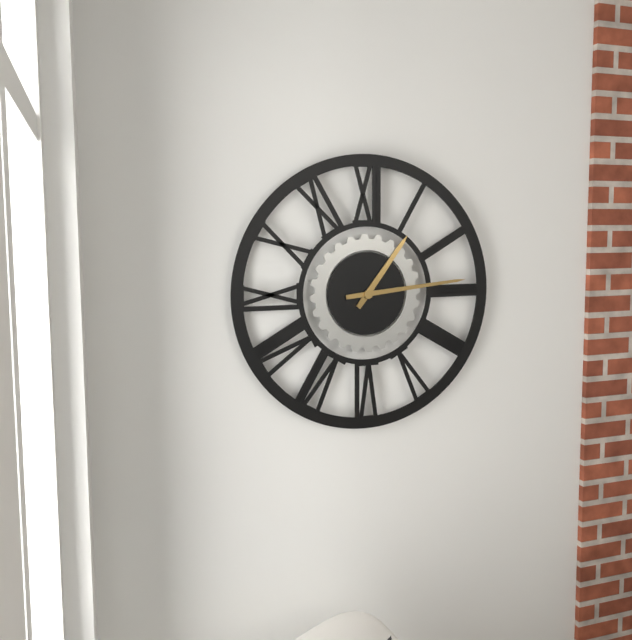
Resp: 1,14
